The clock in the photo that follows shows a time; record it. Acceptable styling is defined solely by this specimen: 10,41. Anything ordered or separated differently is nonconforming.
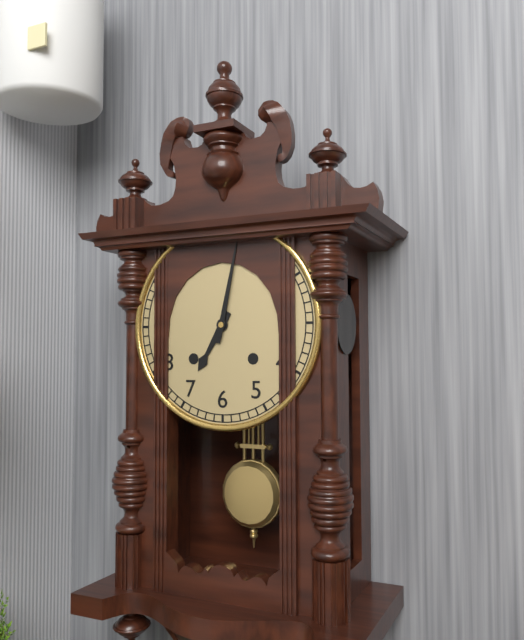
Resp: 7,02
